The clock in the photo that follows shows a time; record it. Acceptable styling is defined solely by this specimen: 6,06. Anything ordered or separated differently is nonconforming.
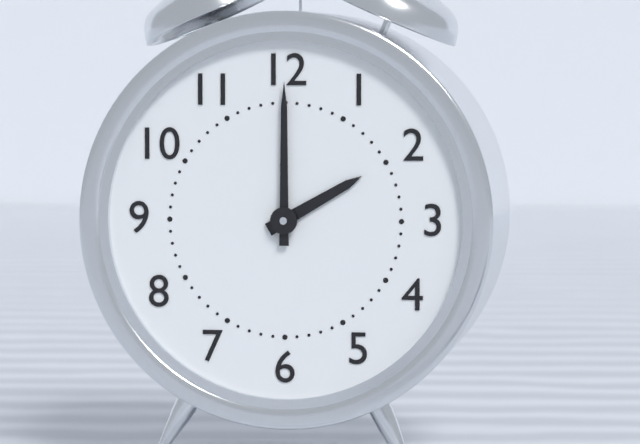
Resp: 2,00
